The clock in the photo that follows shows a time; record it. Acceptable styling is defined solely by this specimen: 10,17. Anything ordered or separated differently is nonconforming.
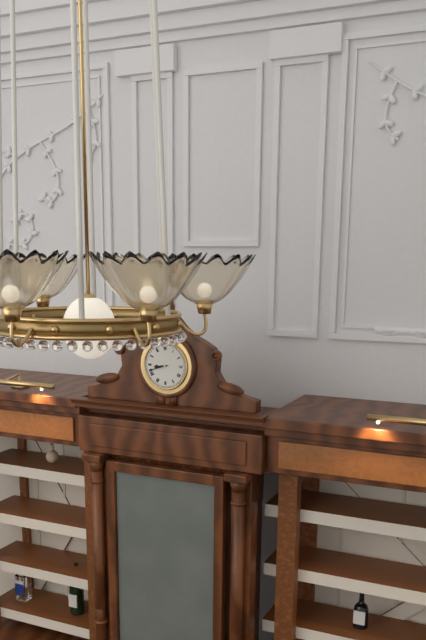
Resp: 8,42
